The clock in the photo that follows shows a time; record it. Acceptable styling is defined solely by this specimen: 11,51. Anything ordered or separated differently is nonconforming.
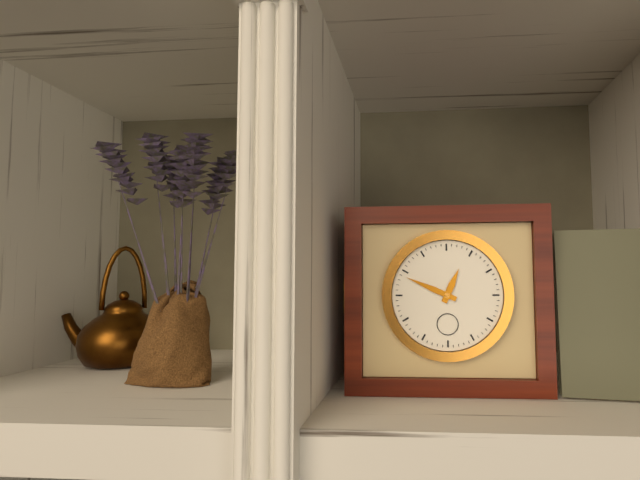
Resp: 12,49
